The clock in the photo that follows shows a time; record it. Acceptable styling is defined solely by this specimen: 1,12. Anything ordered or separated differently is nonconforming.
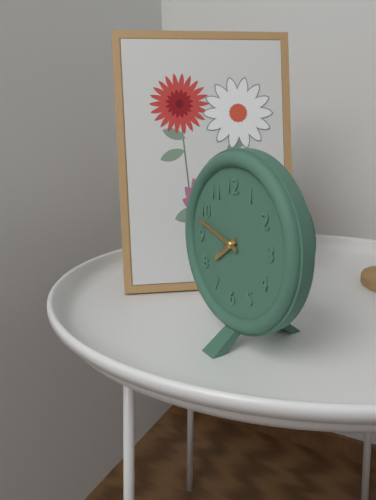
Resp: 7,48
